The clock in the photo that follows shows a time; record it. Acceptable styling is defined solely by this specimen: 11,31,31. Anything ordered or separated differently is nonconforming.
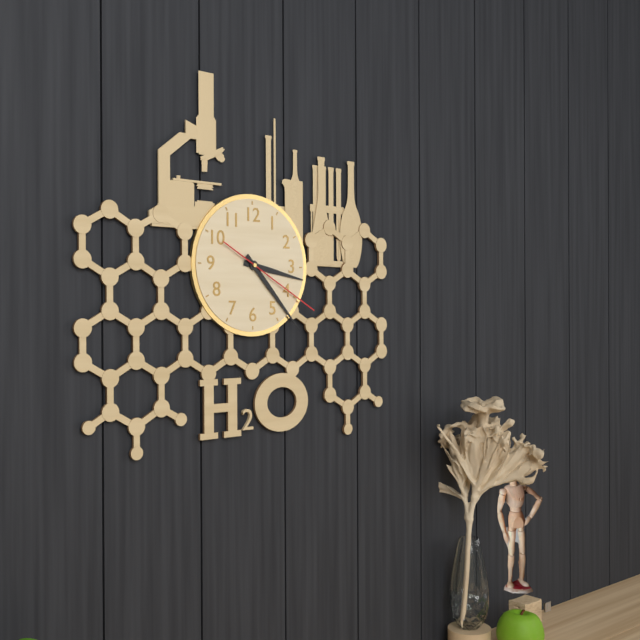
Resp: 3,23,20
